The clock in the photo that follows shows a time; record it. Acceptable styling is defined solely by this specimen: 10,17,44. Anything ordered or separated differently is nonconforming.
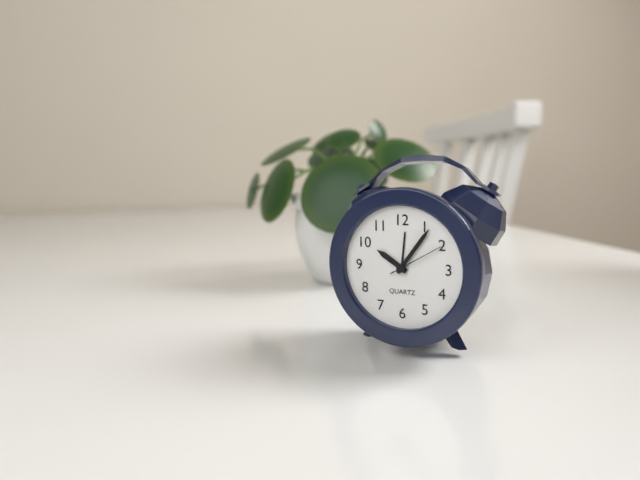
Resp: 10,06,10
